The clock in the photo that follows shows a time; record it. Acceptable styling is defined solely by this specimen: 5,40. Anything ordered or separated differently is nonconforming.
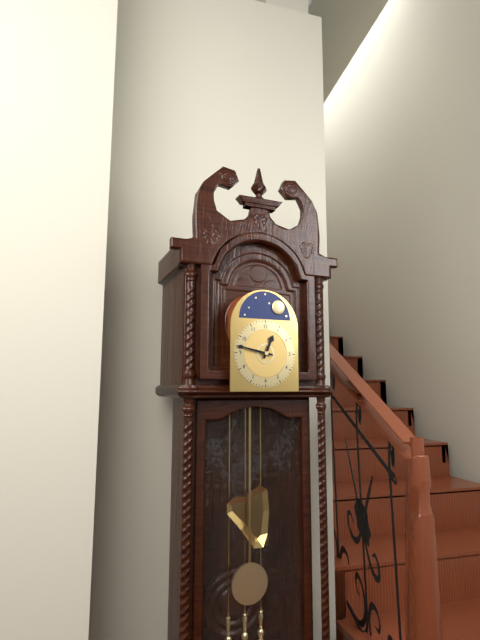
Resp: 12,47
